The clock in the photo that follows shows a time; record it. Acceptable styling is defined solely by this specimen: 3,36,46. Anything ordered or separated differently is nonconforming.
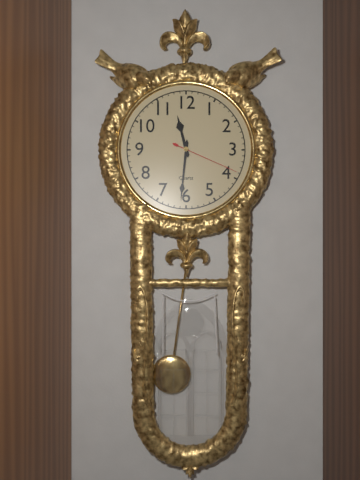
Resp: 11,31,19
